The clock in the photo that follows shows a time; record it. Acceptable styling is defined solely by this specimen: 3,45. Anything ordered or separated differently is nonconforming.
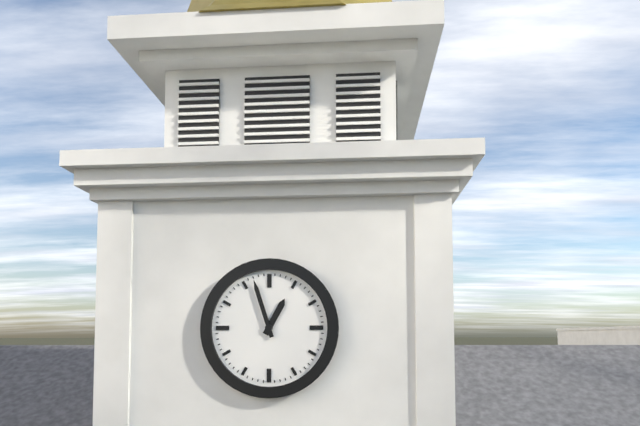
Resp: 12,57
